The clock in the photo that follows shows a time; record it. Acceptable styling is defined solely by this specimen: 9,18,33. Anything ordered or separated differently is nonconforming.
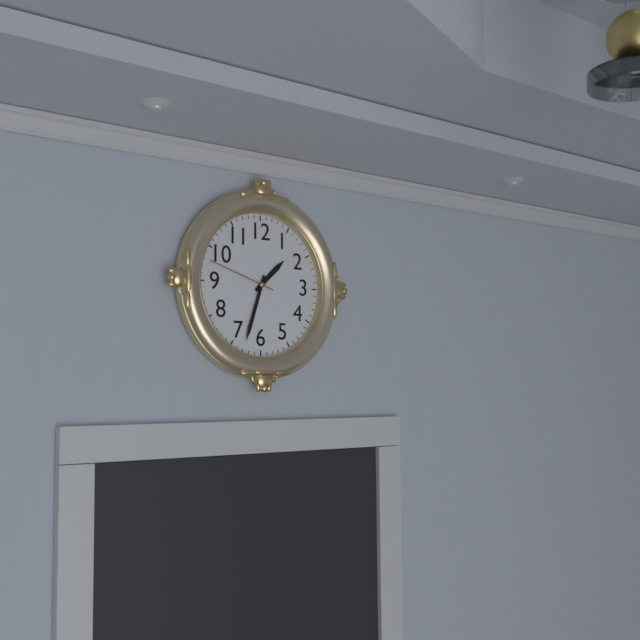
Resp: 1,33,48
